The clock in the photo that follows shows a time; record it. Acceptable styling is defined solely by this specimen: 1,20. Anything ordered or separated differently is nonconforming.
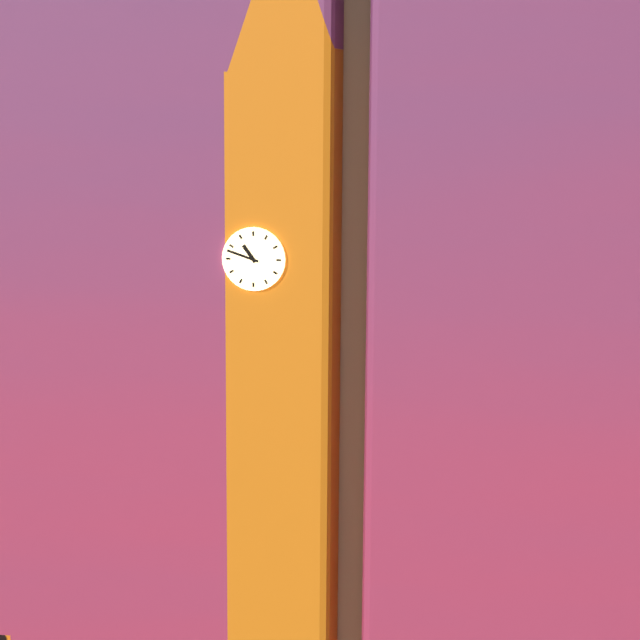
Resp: 10,48
